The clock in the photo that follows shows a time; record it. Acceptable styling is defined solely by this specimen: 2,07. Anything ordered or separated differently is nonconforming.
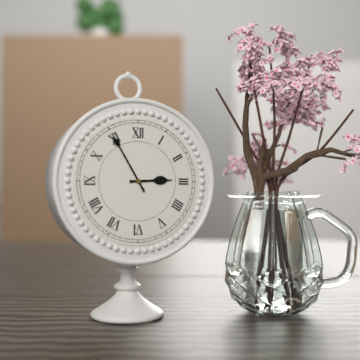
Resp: 2,55
